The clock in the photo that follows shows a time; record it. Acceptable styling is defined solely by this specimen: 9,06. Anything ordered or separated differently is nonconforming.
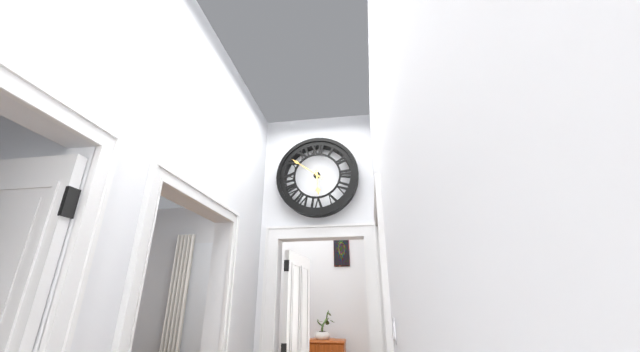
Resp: 5,51
